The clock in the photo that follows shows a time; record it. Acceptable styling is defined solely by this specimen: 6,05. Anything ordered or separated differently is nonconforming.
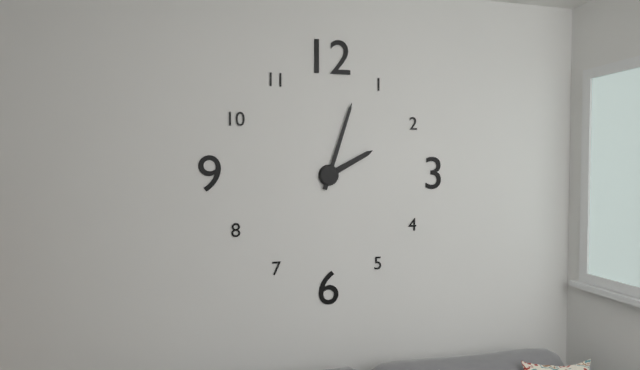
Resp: 2,03
